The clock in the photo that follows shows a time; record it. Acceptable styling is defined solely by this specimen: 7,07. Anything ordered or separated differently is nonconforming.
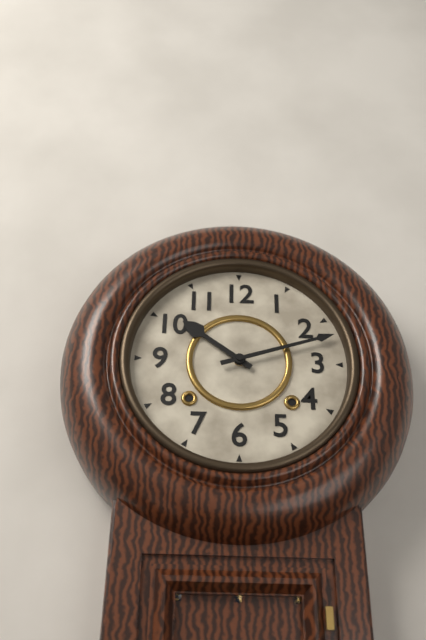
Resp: 10,12
